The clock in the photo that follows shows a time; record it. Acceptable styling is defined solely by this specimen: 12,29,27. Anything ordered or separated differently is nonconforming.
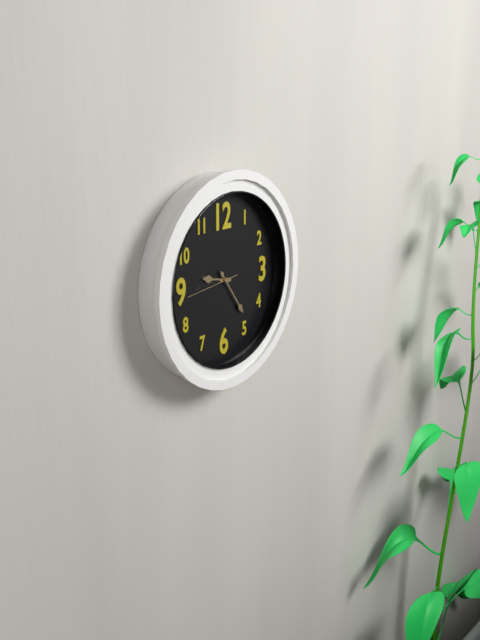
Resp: 9,24,44
